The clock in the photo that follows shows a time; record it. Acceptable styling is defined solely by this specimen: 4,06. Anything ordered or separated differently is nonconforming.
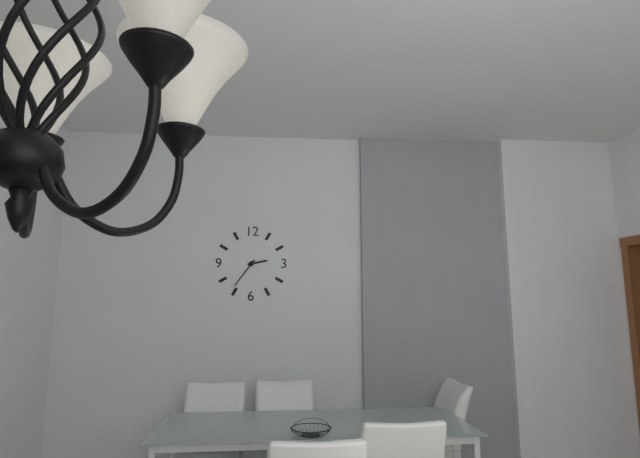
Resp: 2,36
